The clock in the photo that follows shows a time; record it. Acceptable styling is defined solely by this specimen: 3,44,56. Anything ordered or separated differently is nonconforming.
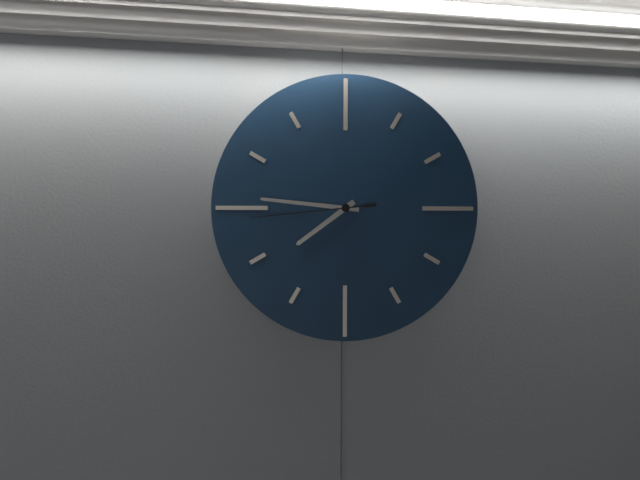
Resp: 7,46,44
